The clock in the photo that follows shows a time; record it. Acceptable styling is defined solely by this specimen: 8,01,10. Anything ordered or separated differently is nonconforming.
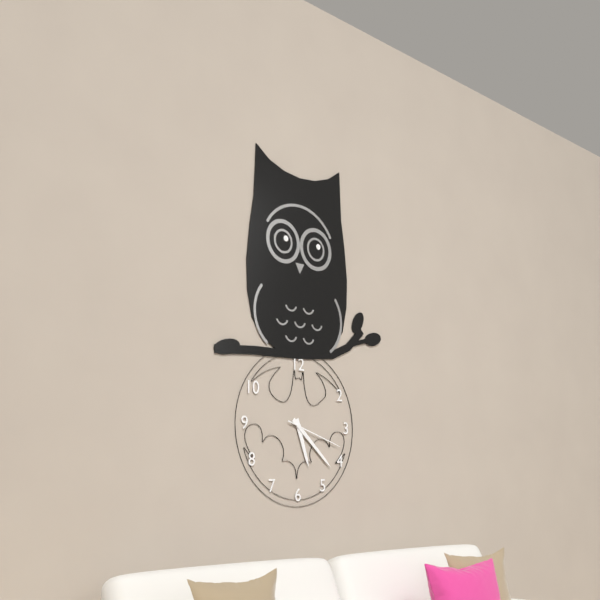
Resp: 5,22,18
